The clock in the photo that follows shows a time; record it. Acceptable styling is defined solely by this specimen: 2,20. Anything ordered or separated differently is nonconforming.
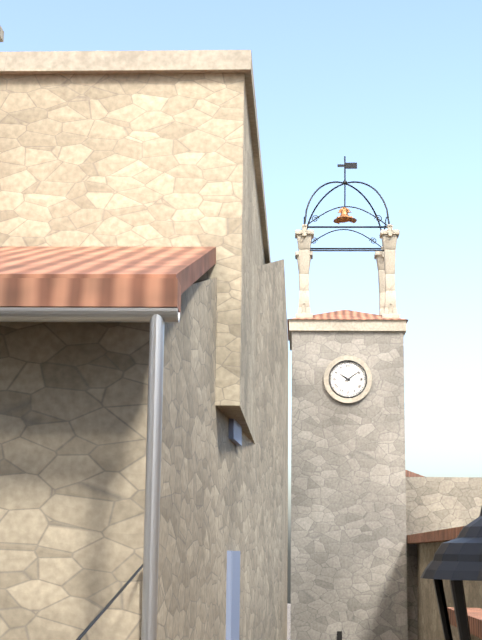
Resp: 10,09
